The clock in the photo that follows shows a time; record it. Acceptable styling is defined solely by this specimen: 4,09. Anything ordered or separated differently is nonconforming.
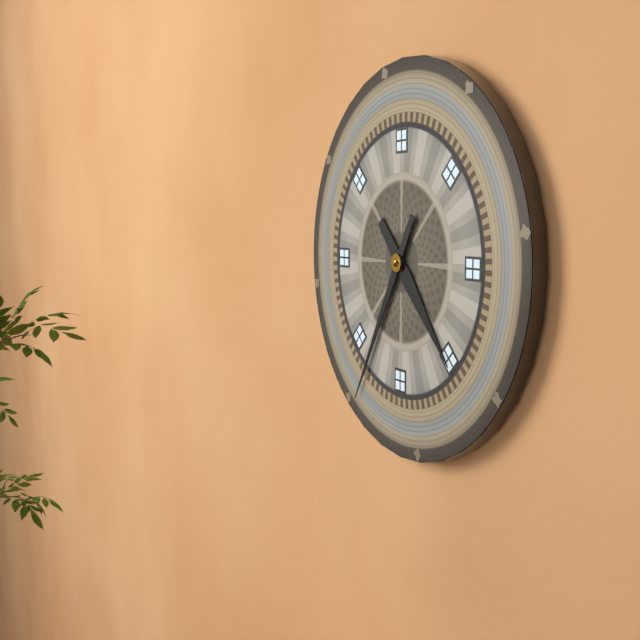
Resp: 4,35
